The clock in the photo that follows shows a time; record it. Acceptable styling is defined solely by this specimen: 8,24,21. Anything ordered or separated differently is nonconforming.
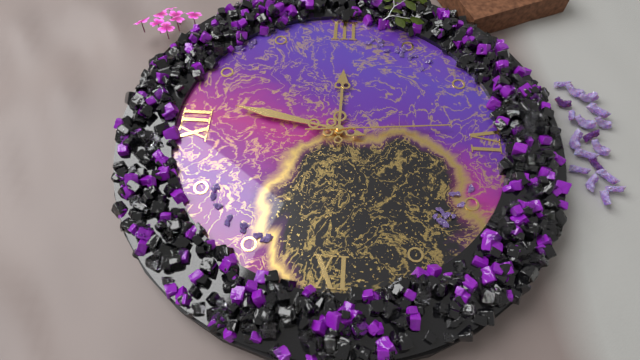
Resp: 3,02,29
